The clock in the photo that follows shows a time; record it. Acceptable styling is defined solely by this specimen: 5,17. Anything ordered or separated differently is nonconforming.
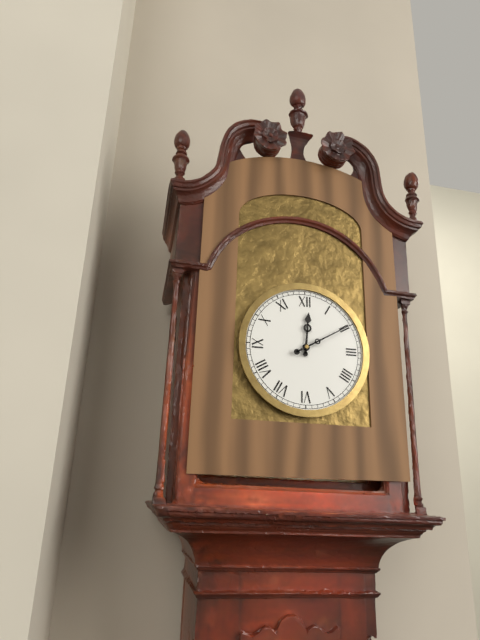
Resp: 12,10
